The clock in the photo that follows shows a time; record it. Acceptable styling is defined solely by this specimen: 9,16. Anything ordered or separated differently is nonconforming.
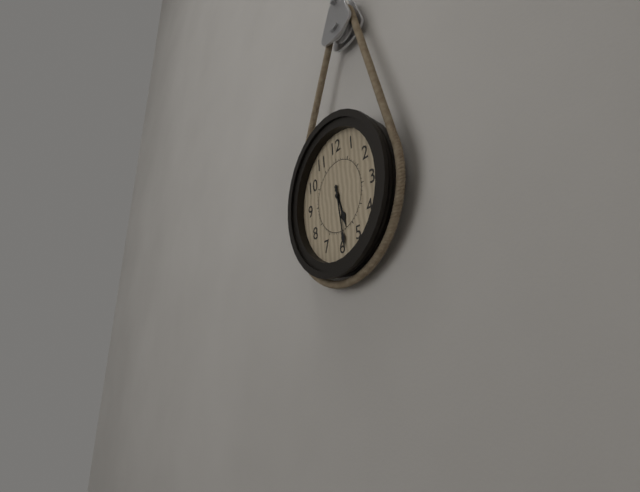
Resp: 5,29
